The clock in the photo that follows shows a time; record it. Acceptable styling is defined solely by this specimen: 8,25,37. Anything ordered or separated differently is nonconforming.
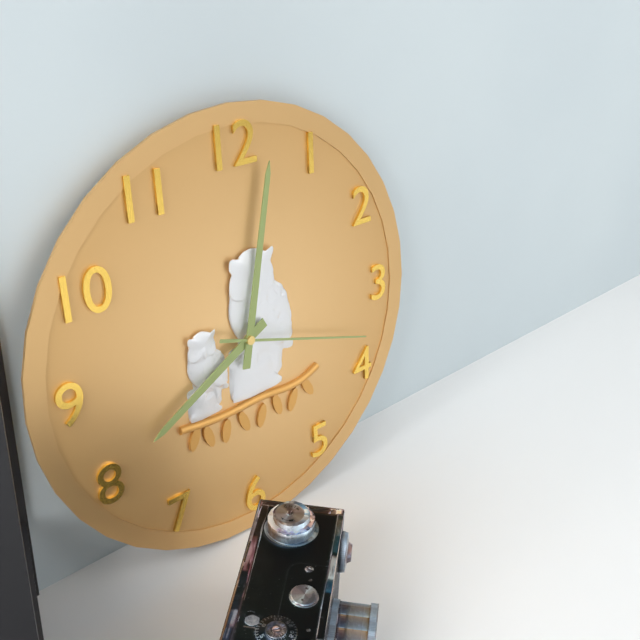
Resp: 8,02,18
